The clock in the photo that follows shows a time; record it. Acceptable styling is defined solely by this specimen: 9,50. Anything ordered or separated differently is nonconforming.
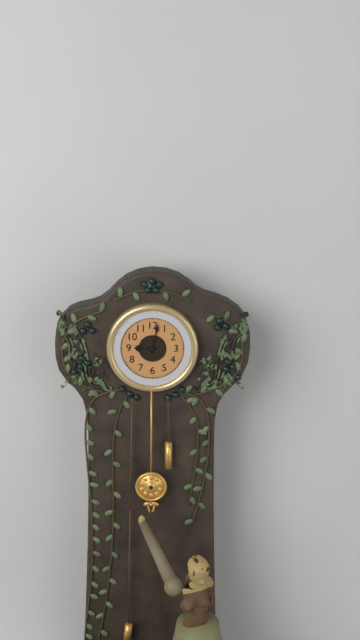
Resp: 9,02
